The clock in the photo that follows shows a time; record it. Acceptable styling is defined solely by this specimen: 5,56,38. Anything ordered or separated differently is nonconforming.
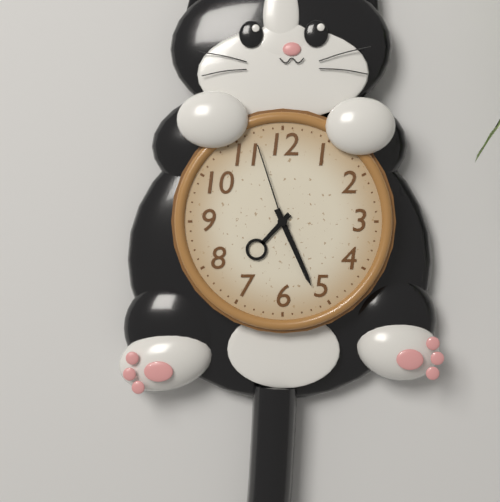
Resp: 7,26,57
